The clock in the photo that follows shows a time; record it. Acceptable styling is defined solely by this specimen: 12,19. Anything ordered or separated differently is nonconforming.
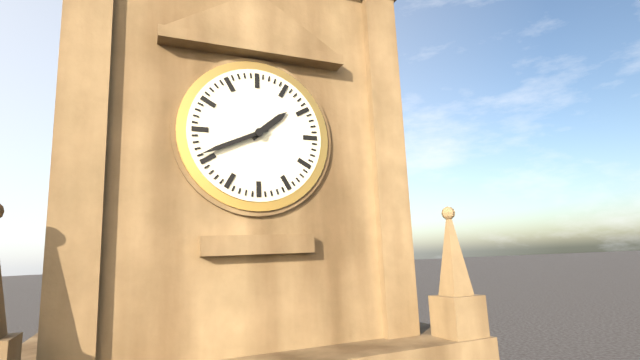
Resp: 1,41
